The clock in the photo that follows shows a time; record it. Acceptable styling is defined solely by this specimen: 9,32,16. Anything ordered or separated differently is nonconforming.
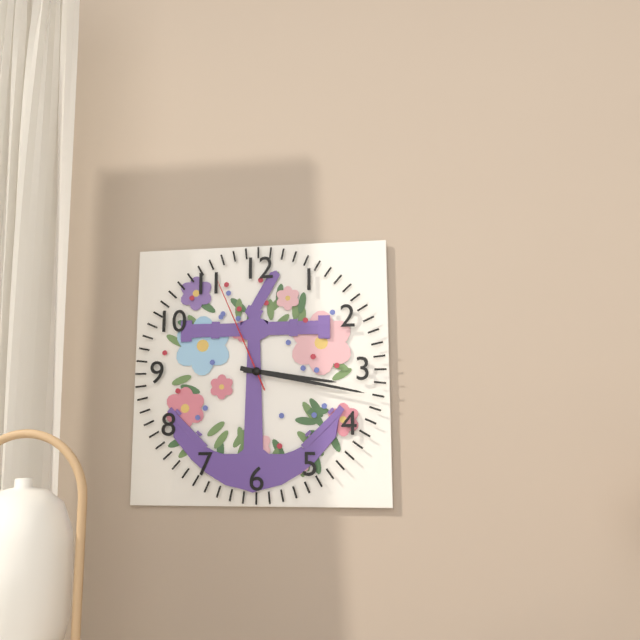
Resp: 3,17,56
